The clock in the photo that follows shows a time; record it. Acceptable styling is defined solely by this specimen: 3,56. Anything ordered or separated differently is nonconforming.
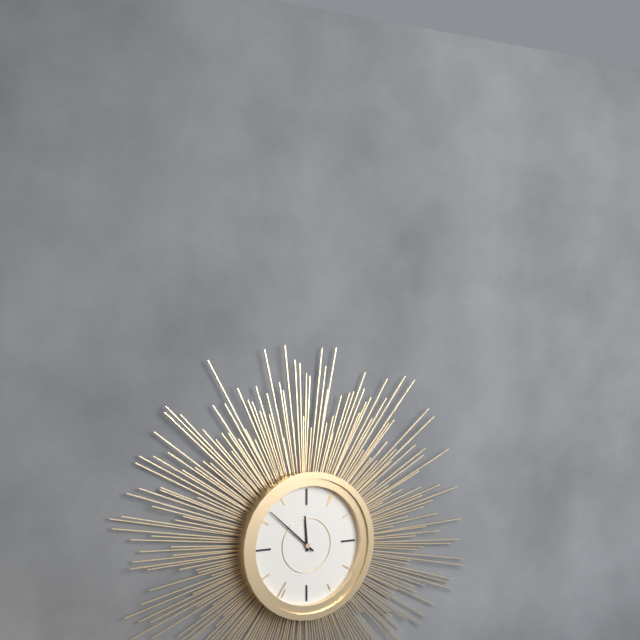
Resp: 11,52
